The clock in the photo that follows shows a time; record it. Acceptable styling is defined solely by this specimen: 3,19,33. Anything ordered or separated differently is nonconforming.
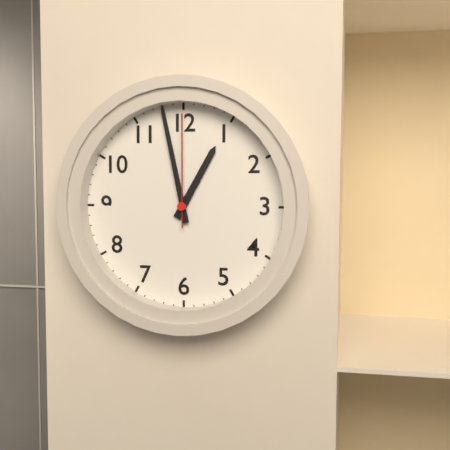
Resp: 12,58,00
